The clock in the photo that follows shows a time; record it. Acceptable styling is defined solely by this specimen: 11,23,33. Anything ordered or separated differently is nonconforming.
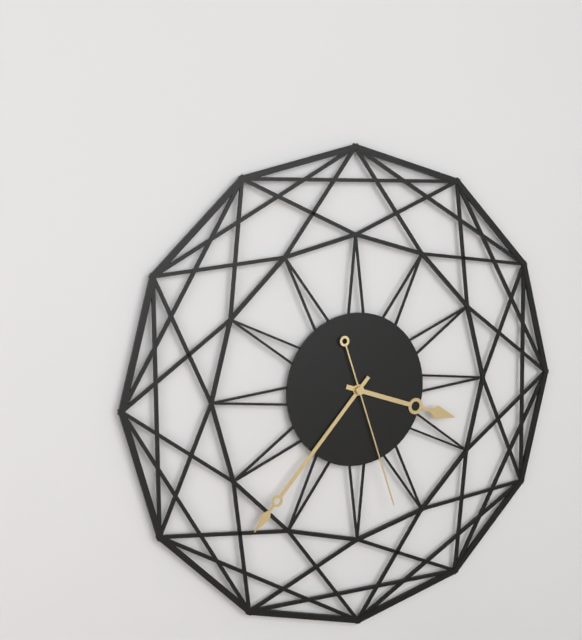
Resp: 3,37,27
